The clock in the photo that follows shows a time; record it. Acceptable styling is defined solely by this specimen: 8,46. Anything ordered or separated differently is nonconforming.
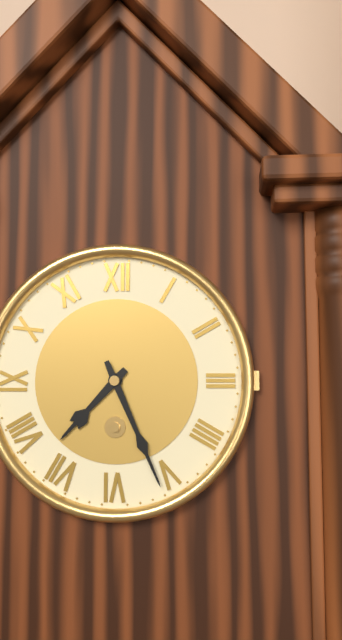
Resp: 7,26
